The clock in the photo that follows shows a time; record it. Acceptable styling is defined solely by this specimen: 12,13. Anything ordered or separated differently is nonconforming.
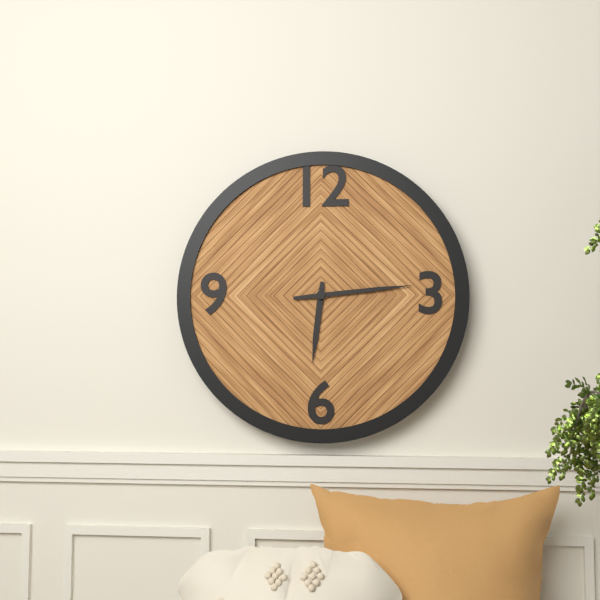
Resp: 6,14
